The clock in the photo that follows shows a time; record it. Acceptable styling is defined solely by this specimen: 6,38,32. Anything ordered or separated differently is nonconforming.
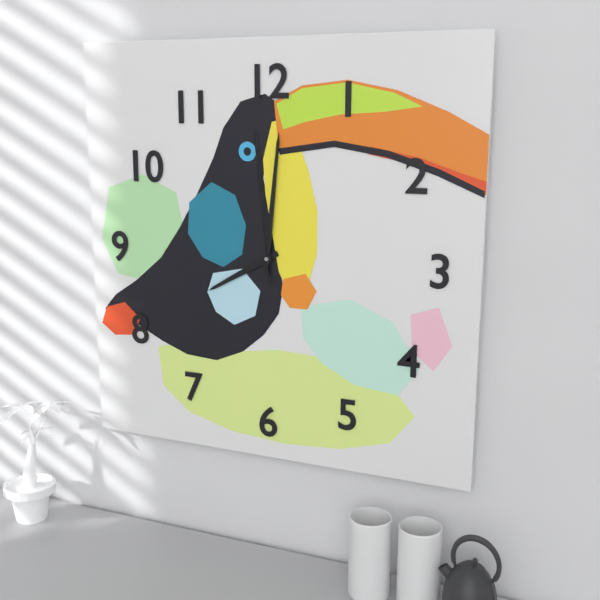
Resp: 8,01,59
